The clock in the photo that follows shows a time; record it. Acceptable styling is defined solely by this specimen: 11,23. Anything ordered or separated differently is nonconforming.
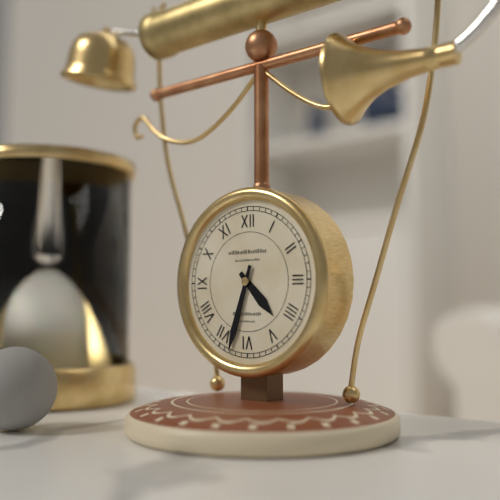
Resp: 4,33
